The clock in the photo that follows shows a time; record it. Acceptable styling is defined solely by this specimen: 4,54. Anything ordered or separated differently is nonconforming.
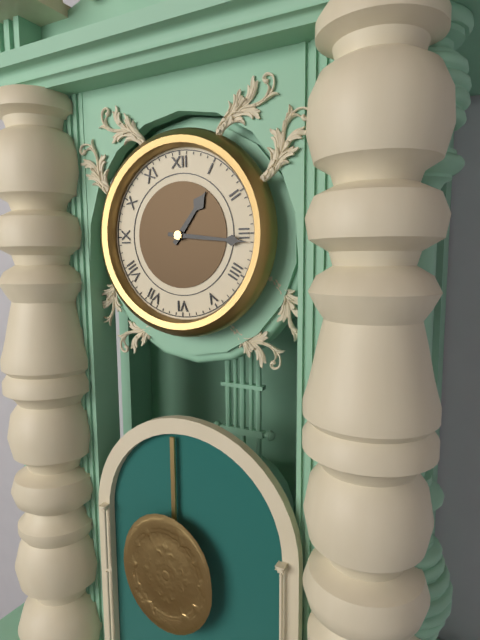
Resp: 1,16
